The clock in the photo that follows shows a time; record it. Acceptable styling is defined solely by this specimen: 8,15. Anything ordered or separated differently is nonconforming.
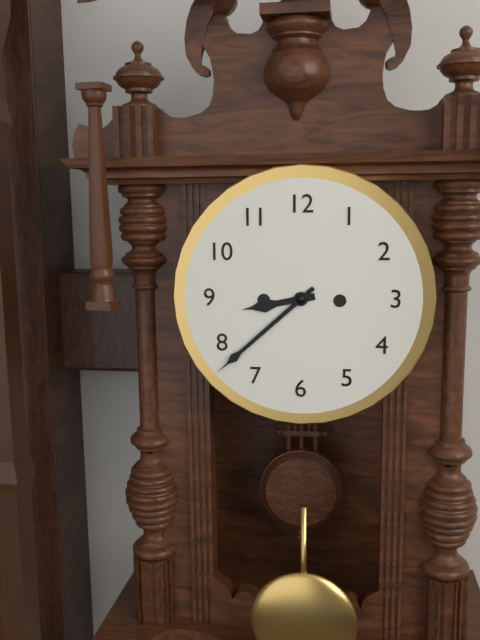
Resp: 8,38
